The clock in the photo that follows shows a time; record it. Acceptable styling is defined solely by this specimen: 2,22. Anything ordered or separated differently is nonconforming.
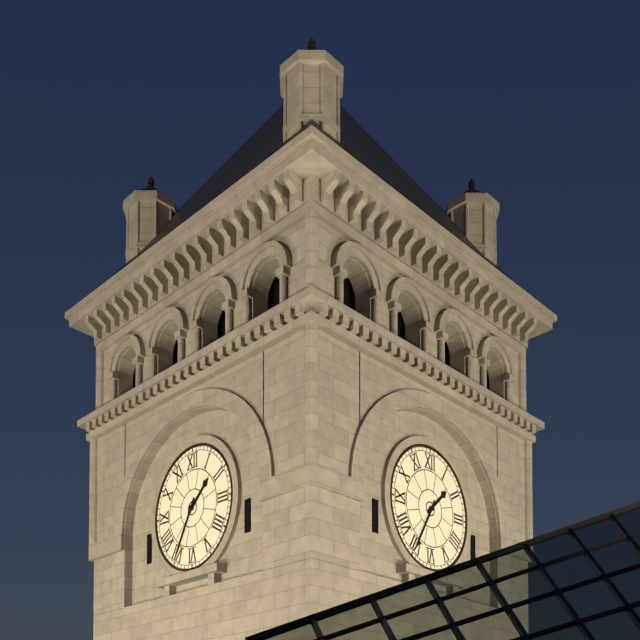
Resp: 1,35
